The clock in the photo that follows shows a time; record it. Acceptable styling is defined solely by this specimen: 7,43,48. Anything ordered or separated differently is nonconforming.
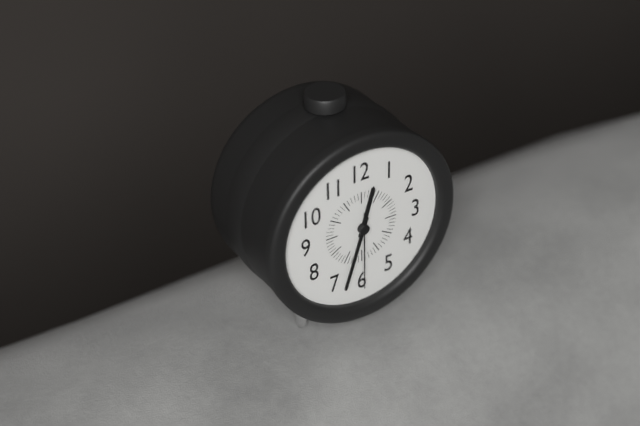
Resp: 12,33,30
